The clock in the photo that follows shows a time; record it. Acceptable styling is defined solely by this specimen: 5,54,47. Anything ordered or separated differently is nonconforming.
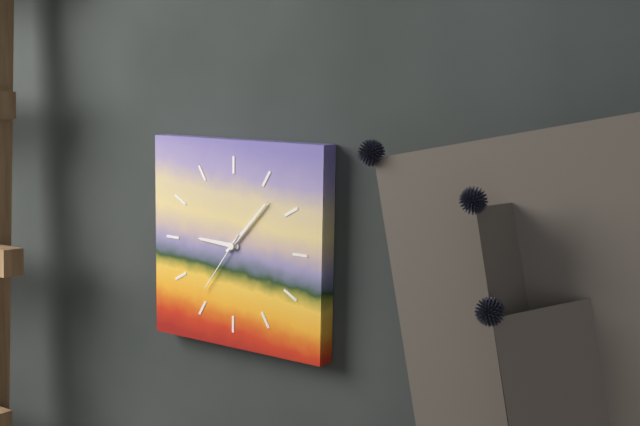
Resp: 9,07,36
